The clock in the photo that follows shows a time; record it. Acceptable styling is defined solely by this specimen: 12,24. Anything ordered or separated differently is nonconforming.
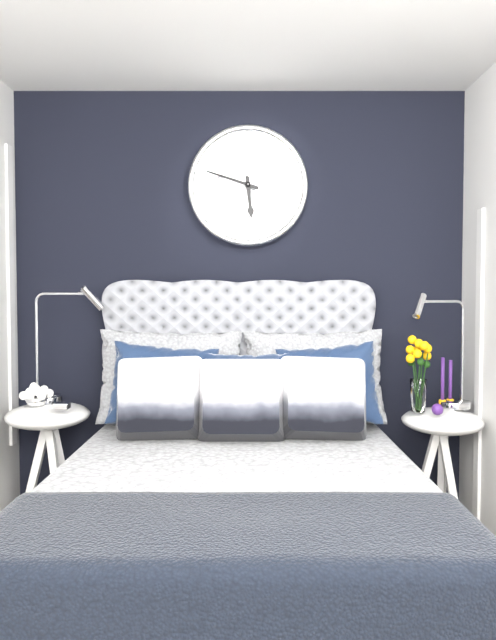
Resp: 5,48
